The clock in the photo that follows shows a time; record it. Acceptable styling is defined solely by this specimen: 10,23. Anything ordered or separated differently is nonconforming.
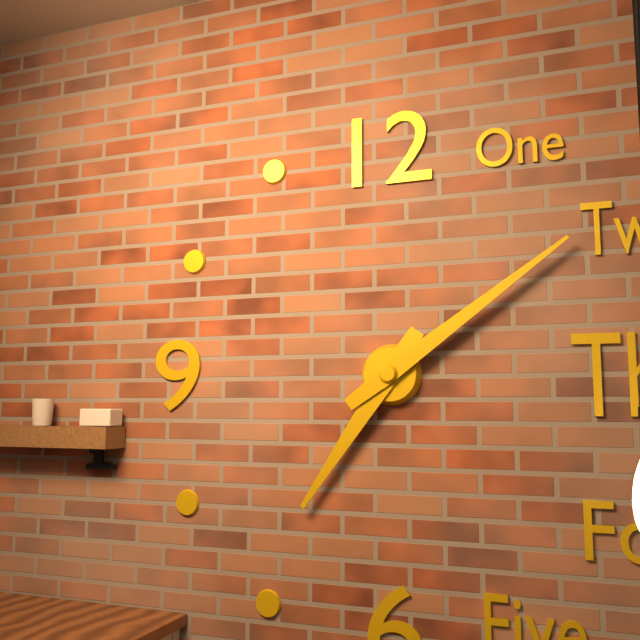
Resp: 7,09
